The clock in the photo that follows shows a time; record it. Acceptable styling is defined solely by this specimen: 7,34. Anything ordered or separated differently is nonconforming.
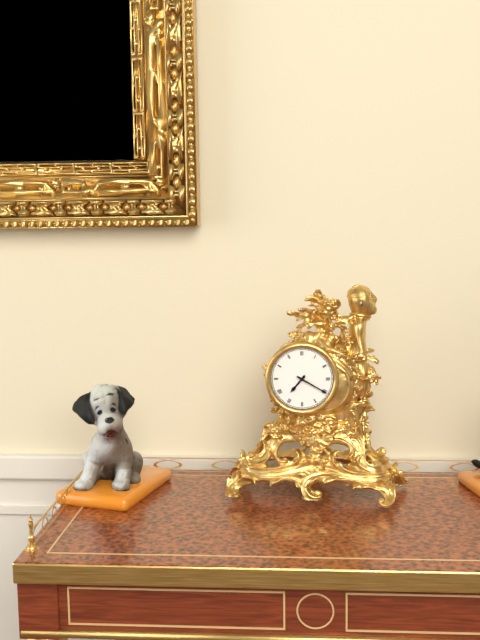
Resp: 7,20
